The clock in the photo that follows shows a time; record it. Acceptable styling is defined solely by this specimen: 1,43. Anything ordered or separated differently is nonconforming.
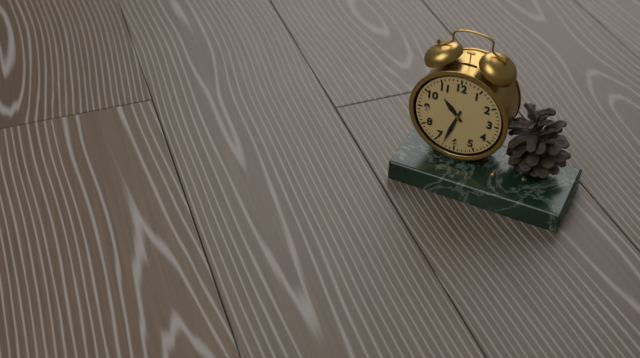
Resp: 10,33
